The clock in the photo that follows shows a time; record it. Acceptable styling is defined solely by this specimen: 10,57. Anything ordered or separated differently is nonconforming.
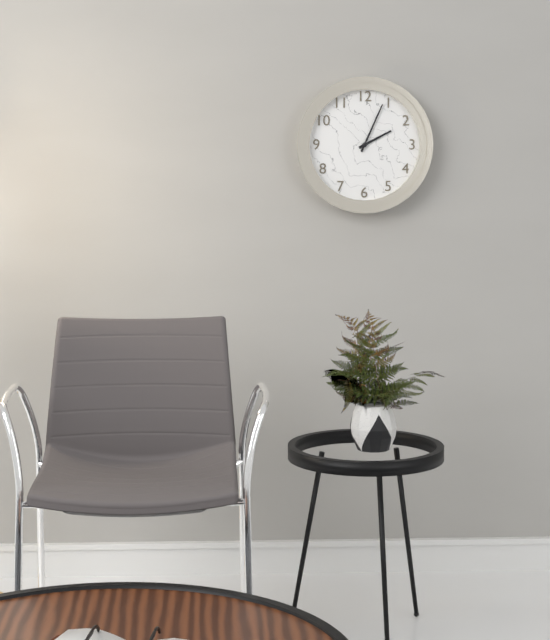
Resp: 2,04
